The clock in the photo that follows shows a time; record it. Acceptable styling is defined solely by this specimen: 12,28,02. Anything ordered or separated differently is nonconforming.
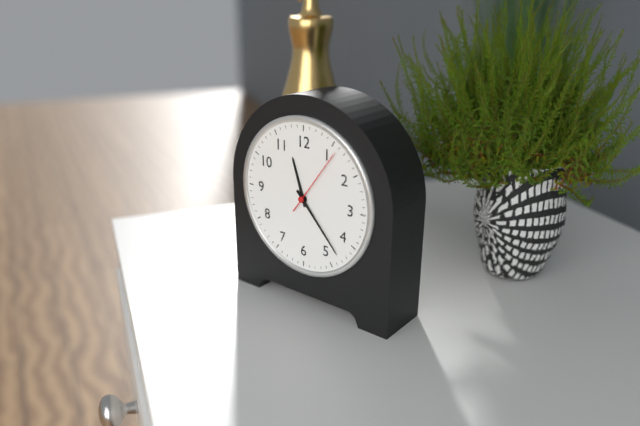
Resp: 11,23,06
